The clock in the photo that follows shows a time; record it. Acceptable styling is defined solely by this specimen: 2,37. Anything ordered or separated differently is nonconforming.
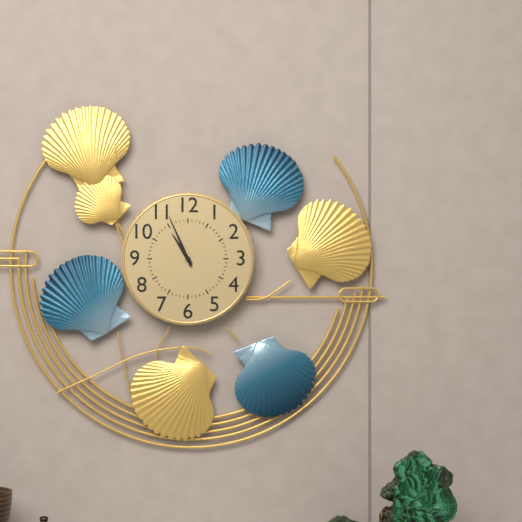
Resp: 10,56
